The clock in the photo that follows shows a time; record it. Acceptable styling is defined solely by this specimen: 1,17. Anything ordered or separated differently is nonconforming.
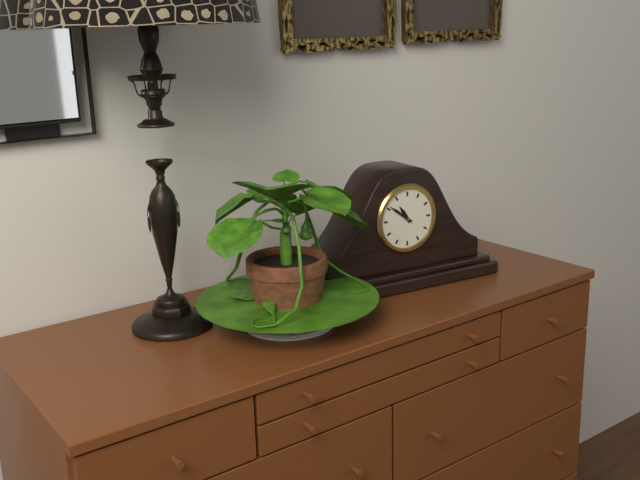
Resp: 10,51
